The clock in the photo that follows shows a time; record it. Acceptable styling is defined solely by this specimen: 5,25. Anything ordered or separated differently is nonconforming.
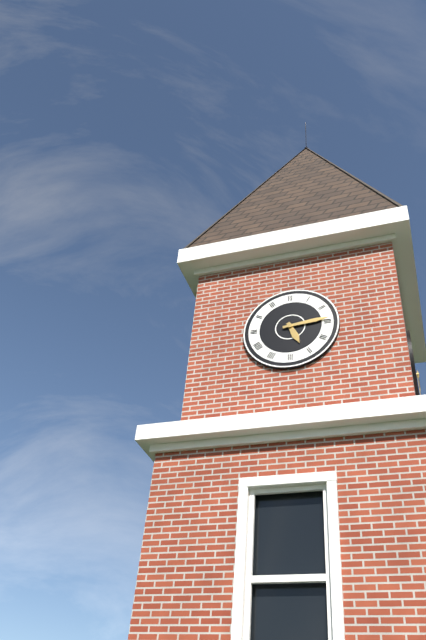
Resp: 5,14
